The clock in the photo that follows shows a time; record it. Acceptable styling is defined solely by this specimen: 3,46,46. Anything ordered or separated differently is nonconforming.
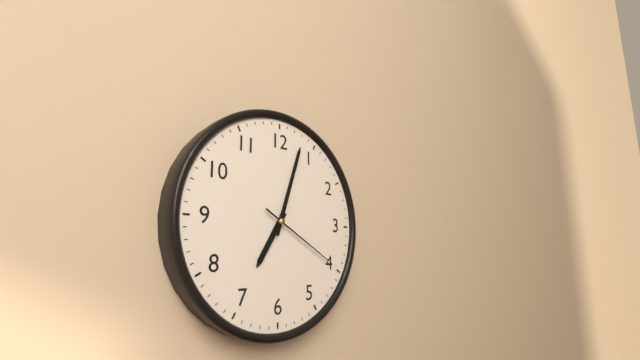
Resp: 7,03,20
